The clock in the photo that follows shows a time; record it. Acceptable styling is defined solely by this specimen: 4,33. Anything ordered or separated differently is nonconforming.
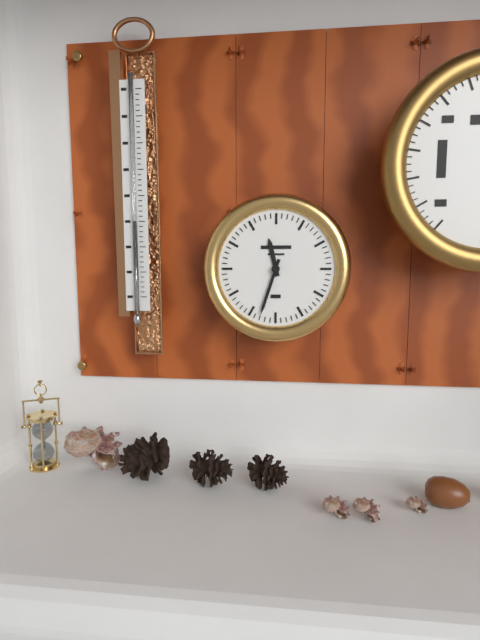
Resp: 11,33
